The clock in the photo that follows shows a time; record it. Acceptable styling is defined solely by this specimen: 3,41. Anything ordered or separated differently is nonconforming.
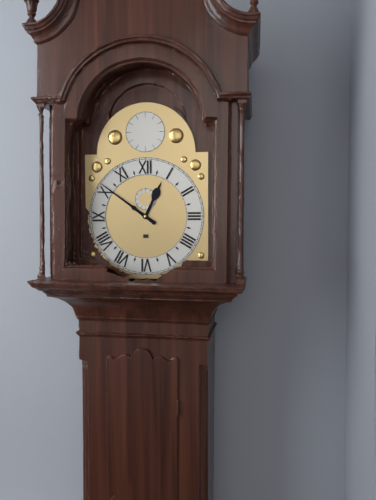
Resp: 12,51
